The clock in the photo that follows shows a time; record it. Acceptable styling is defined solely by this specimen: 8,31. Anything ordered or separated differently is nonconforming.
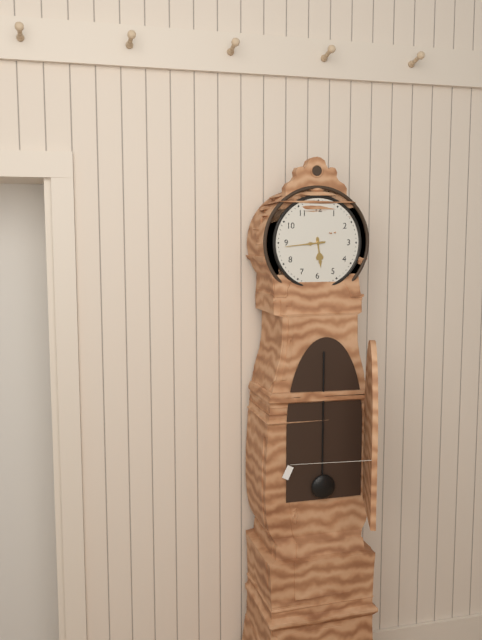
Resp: 5,44
